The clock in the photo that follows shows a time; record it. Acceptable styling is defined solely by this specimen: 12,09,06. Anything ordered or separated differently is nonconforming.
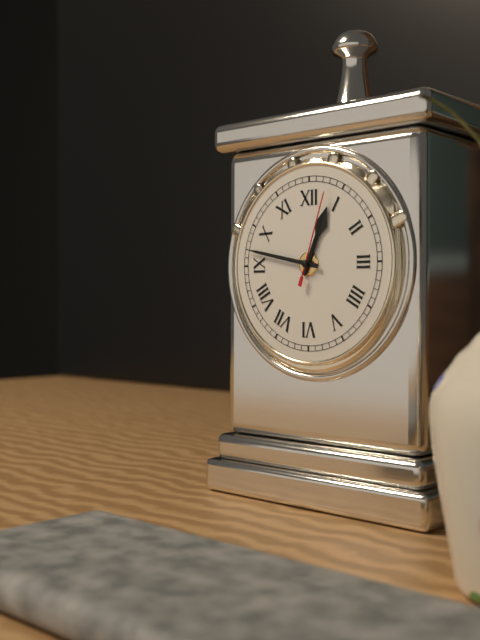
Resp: 12,47,03
